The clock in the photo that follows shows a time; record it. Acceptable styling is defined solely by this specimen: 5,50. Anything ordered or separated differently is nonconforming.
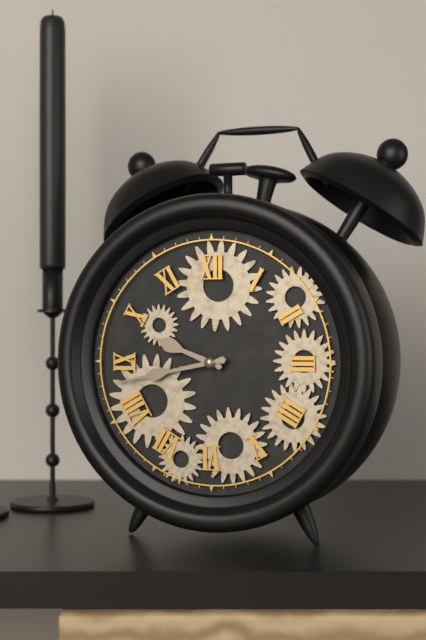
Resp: 9,43
